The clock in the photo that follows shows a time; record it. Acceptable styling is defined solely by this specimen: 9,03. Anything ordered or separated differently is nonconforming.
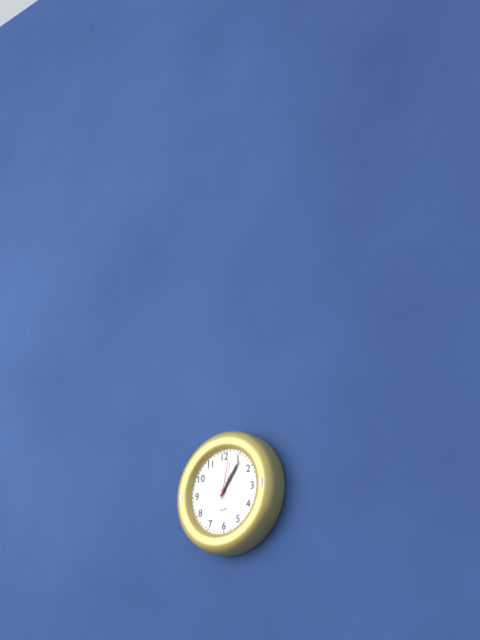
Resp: 1,06
